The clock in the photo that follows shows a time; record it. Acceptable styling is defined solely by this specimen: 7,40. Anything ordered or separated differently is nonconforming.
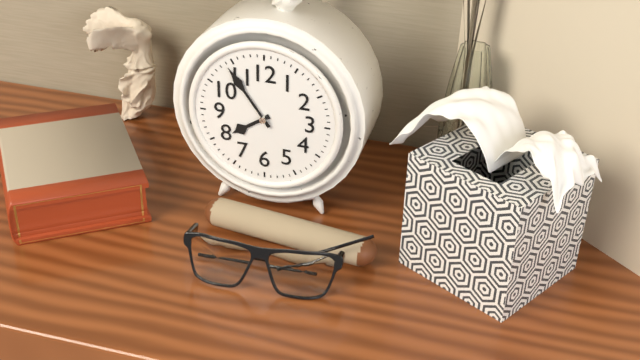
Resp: 7,54
